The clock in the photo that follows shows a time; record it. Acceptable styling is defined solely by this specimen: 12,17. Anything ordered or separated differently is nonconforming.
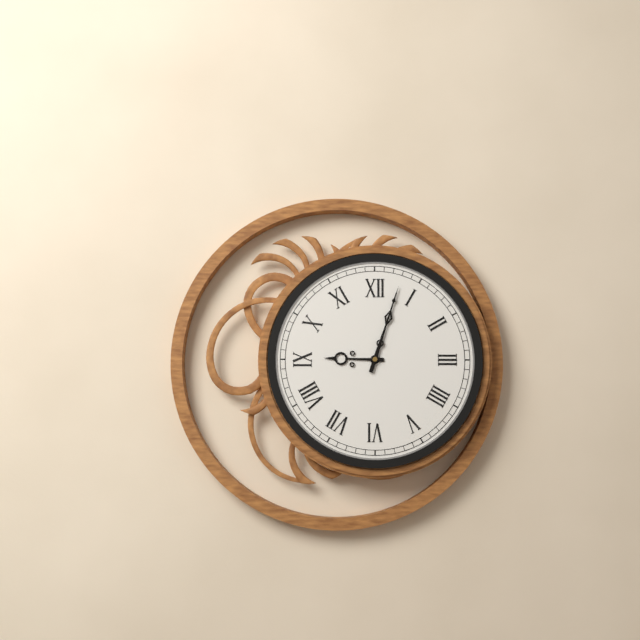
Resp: 9,03
